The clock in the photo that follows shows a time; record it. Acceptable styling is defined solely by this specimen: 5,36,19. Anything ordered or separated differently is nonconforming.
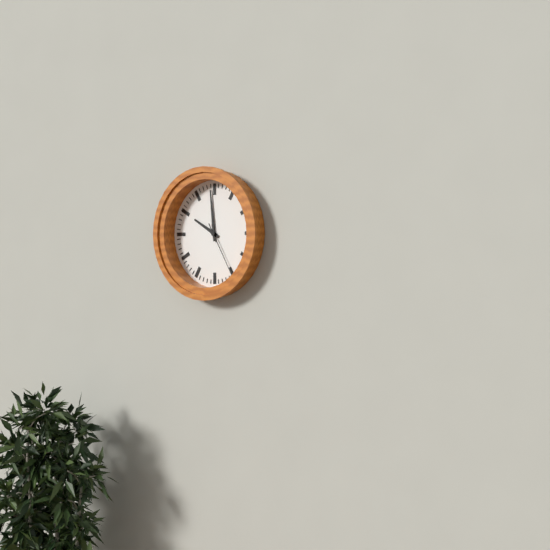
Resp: 9,59,25
